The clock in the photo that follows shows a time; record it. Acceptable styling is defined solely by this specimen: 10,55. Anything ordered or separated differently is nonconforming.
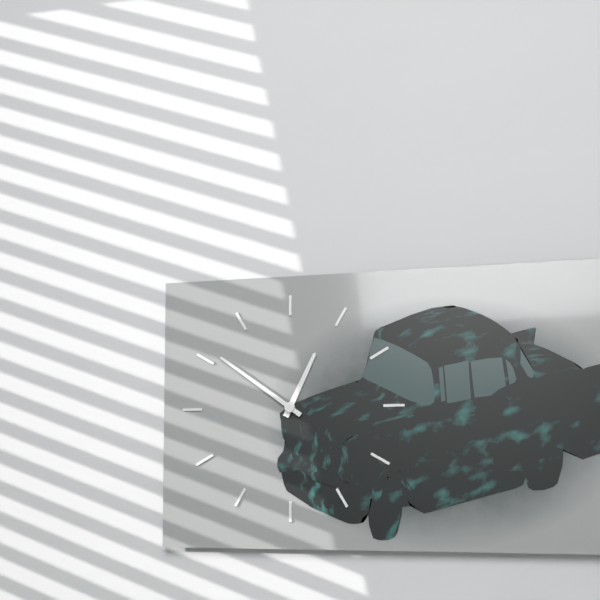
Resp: 12,51
